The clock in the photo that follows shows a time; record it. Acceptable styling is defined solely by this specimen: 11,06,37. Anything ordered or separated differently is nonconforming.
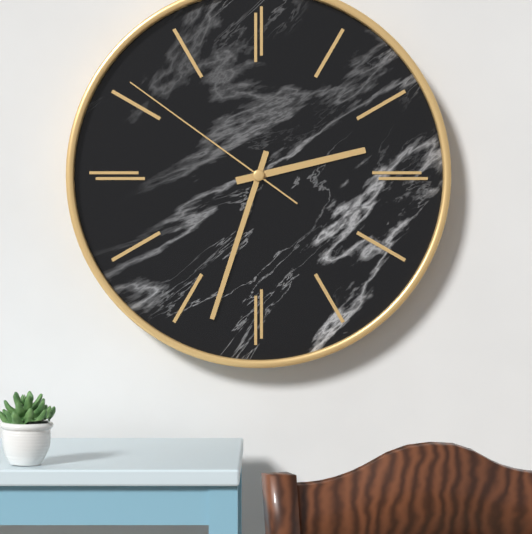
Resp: 2,33,51
